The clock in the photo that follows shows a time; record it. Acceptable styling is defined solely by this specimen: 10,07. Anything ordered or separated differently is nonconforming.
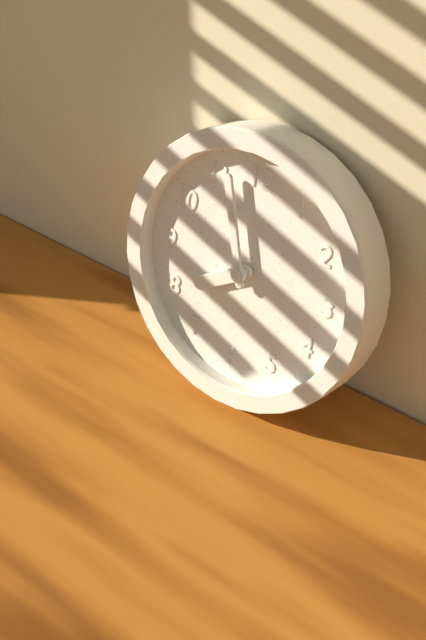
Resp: 7,57
